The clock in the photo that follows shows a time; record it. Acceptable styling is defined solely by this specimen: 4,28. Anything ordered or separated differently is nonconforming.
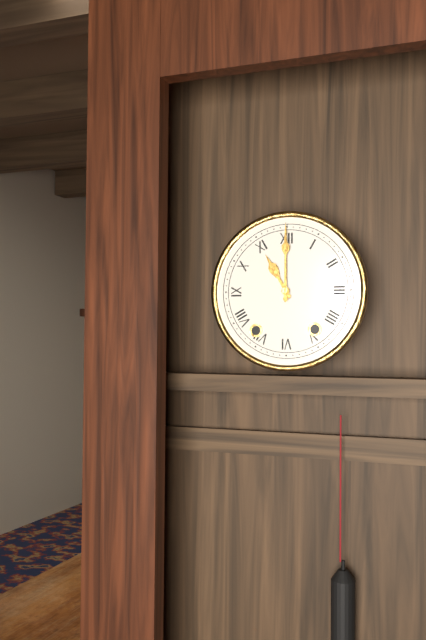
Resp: 11,00
